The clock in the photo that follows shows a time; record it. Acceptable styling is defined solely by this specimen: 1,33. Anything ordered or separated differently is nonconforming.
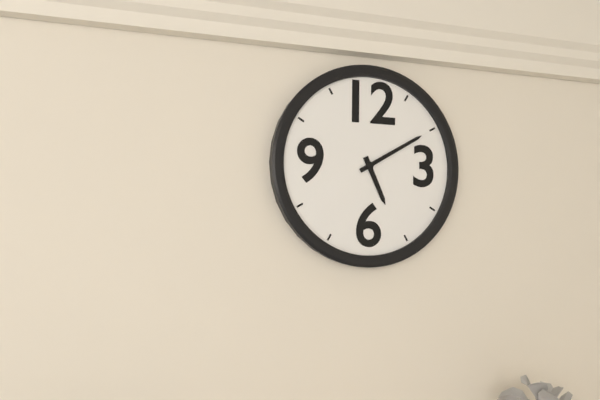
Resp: 5,10
